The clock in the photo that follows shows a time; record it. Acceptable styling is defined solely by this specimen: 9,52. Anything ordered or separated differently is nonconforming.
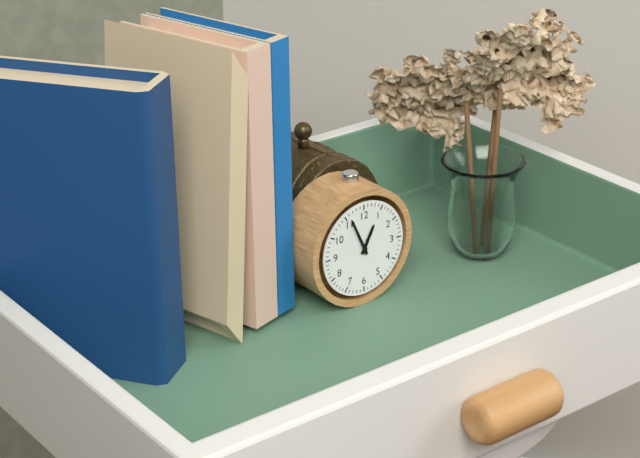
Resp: 12,56
